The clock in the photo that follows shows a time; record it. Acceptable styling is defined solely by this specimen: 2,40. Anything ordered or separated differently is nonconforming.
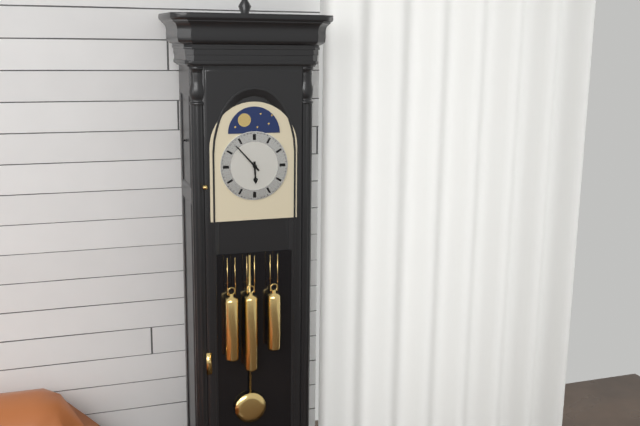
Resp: 5,53
